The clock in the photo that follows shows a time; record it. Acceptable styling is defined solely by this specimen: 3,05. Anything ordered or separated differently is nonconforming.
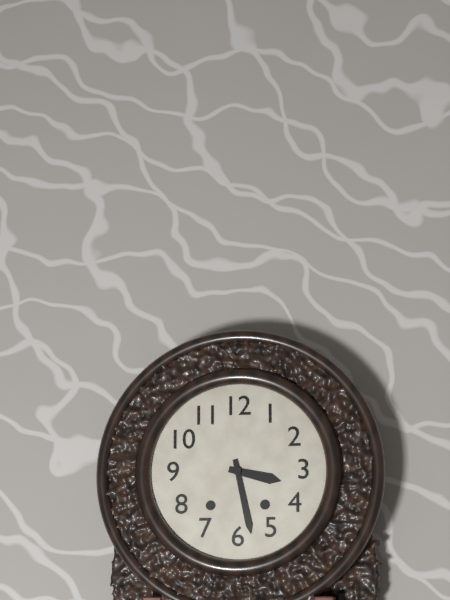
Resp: 3,28
